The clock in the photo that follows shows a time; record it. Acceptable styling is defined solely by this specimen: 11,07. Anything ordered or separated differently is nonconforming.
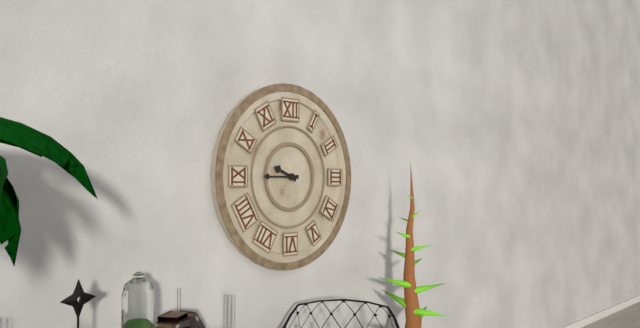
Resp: 9,45
